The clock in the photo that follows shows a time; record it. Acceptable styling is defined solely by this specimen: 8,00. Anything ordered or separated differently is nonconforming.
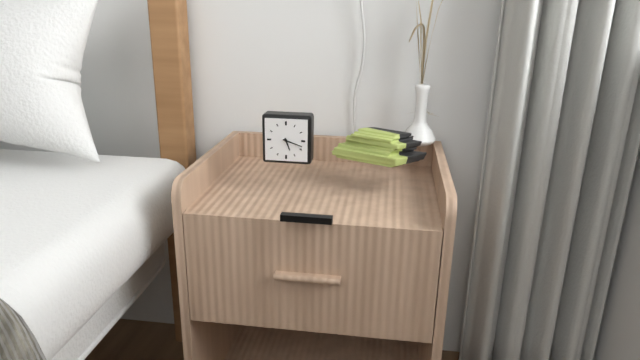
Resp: 5,18
